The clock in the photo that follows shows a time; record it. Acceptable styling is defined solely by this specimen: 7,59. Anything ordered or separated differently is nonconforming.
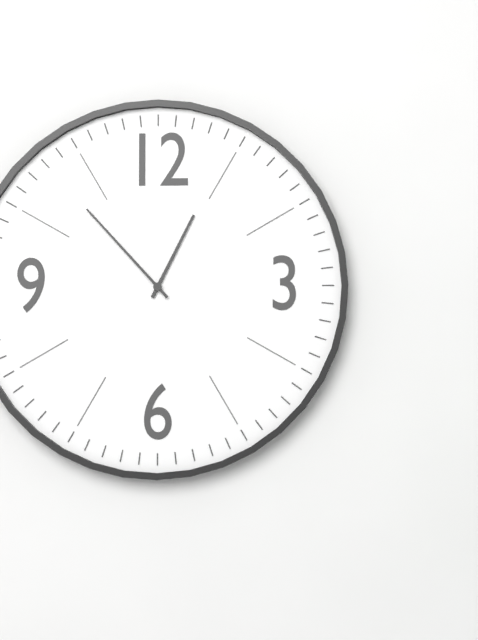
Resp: 12,53
